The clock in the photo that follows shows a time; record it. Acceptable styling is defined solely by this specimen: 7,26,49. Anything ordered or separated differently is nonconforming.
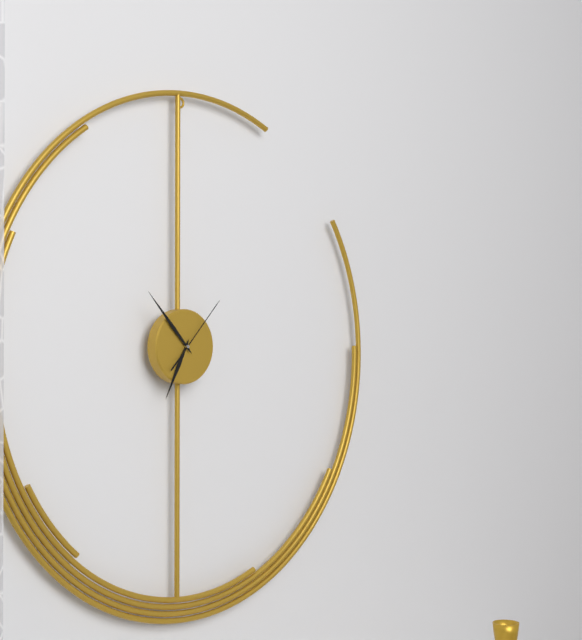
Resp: 6,53,07
